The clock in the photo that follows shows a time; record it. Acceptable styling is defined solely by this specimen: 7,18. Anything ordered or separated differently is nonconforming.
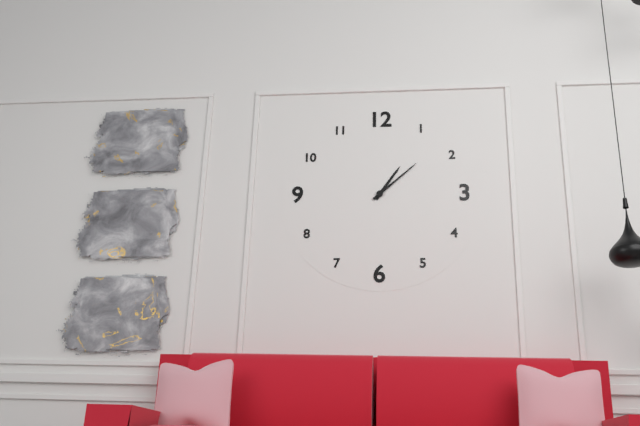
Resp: 1,08
